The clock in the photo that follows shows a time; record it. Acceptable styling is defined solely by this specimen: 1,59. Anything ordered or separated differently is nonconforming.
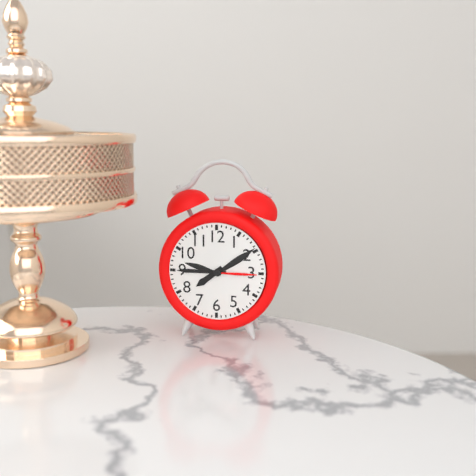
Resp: 7,45
